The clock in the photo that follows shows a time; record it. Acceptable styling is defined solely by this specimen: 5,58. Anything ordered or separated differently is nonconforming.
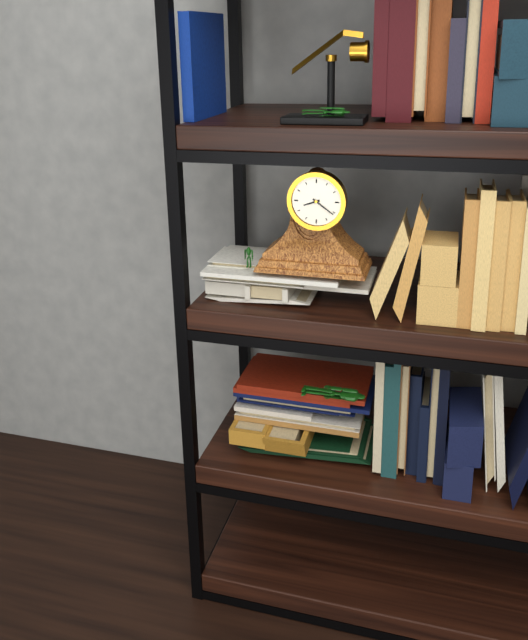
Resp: 8,21
